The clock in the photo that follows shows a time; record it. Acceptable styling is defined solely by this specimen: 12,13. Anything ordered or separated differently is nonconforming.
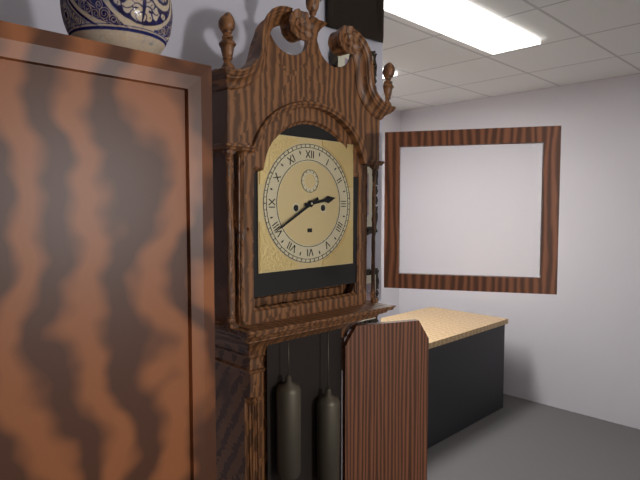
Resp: 2,40
